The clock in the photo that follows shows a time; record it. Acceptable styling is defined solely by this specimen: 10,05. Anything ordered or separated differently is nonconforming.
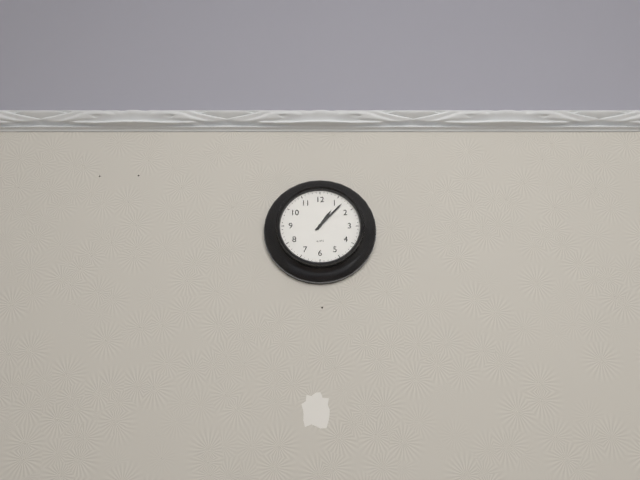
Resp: 1,07
